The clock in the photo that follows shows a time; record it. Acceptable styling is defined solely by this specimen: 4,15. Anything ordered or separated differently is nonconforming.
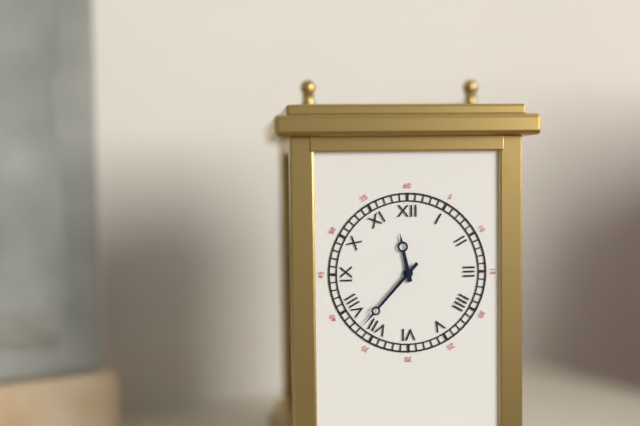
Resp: 11,37
